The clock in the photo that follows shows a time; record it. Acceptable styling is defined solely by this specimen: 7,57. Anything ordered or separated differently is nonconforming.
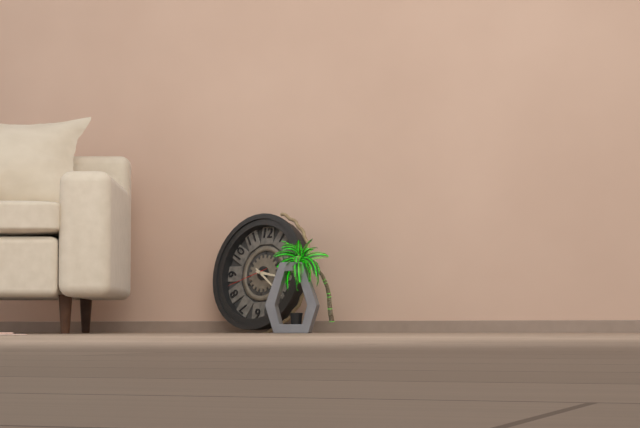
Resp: 3,21
